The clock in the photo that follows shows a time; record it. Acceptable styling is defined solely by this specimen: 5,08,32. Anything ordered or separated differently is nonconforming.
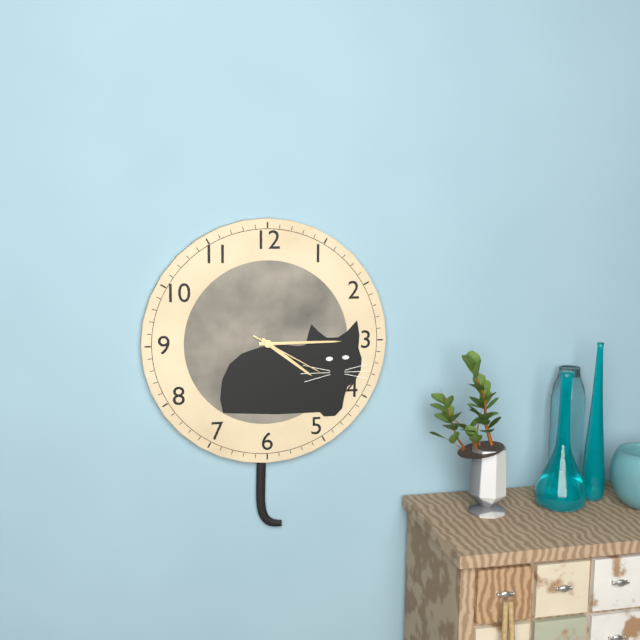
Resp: 4,15,20
